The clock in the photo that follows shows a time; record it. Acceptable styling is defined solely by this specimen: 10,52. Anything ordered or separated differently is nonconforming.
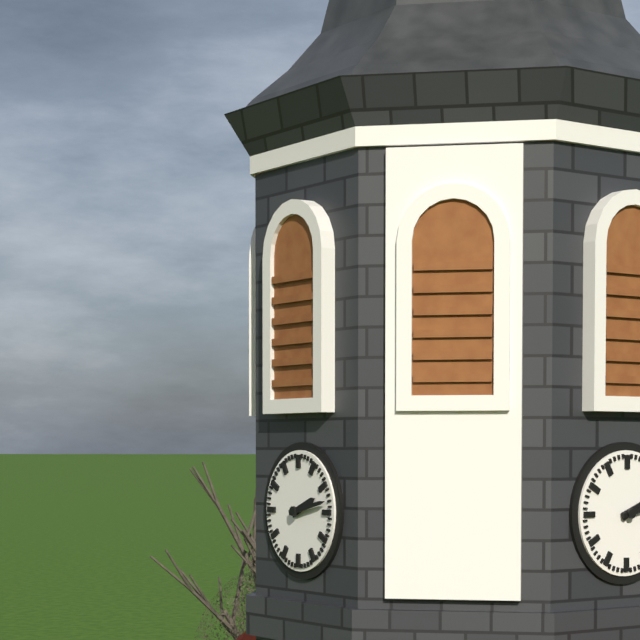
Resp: 2,13
